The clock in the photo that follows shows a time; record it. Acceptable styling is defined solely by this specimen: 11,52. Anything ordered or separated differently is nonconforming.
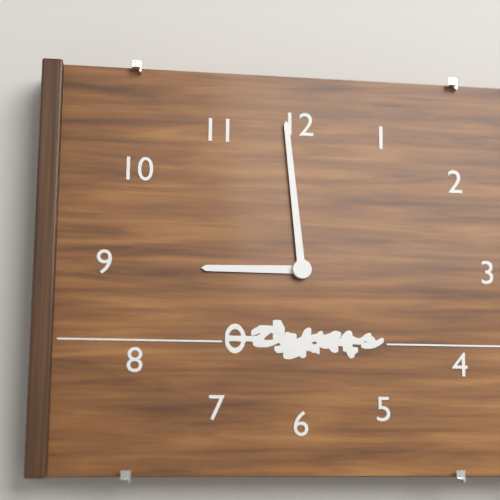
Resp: 8,59
